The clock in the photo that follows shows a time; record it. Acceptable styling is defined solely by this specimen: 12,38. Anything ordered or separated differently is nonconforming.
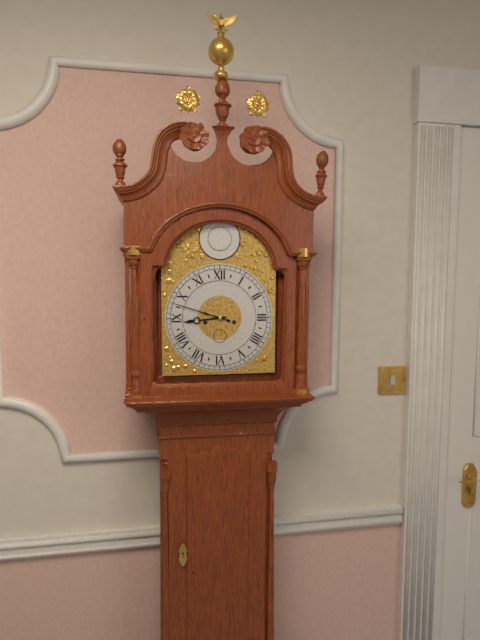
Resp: 8,48
